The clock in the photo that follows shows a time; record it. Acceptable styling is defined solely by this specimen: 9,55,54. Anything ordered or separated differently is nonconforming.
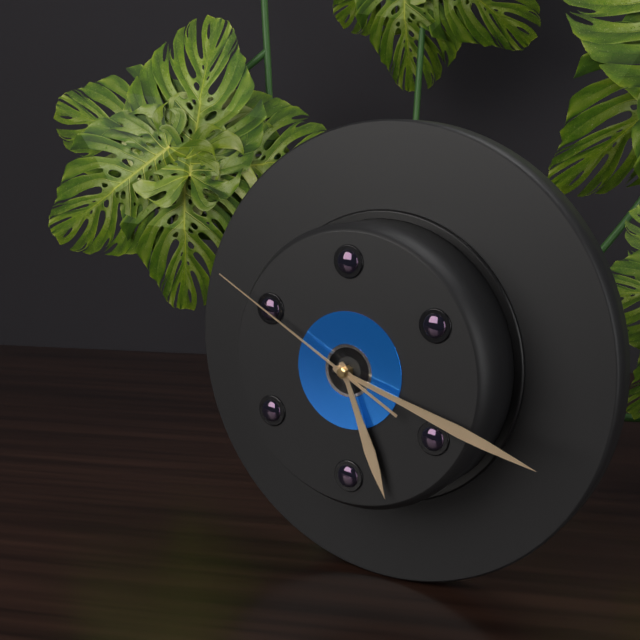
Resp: 5,18,50
